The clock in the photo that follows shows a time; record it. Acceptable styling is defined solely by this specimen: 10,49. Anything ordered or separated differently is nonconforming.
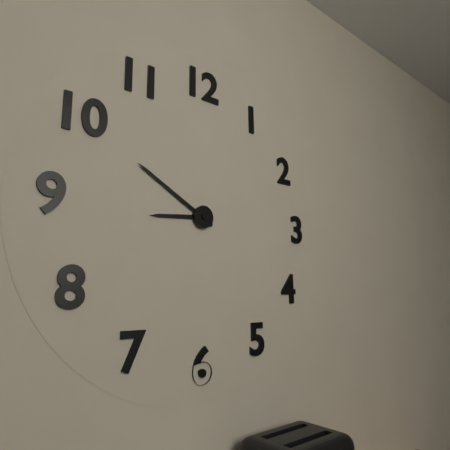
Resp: 8,50
